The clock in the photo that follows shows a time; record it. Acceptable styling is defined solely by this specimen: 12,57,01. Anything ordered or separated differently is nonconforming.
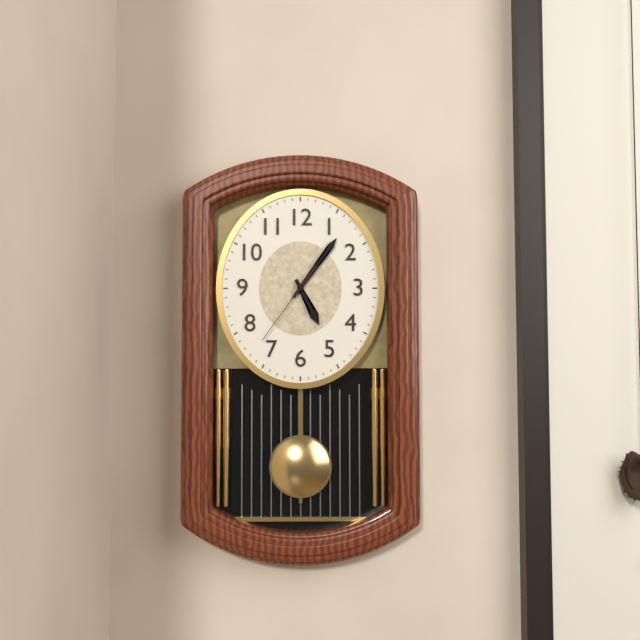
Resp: 5,06,36
